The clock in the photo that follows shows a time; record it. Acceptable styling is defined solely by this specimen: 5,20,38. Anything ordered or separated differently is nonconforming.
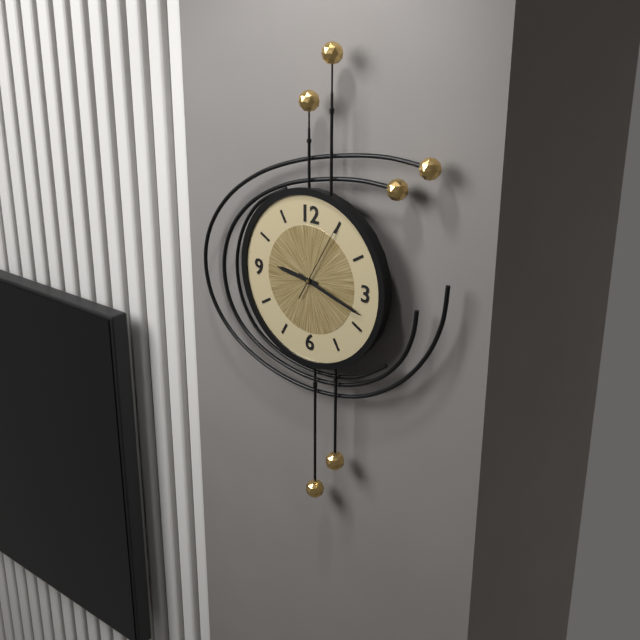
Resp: 9,18,05
